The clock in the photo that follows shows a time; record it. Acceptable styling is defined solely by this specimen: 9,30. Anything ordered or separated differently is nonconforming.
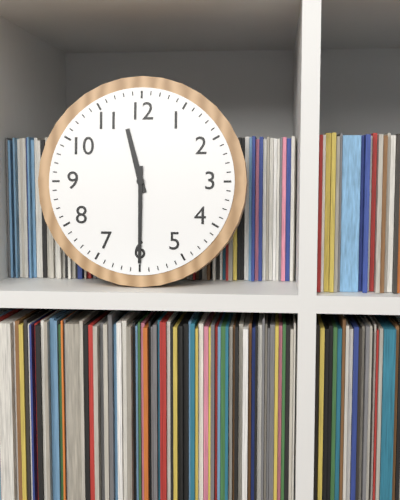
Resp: 11,30
